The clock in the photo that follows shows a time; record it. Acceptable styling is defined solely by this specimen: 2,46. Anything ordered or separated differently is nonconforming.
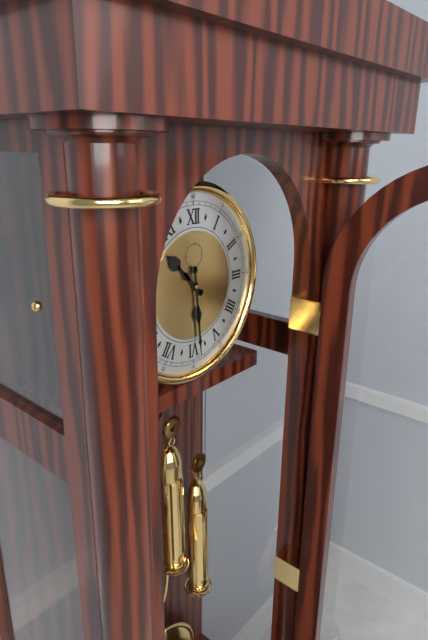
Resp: 10,29
